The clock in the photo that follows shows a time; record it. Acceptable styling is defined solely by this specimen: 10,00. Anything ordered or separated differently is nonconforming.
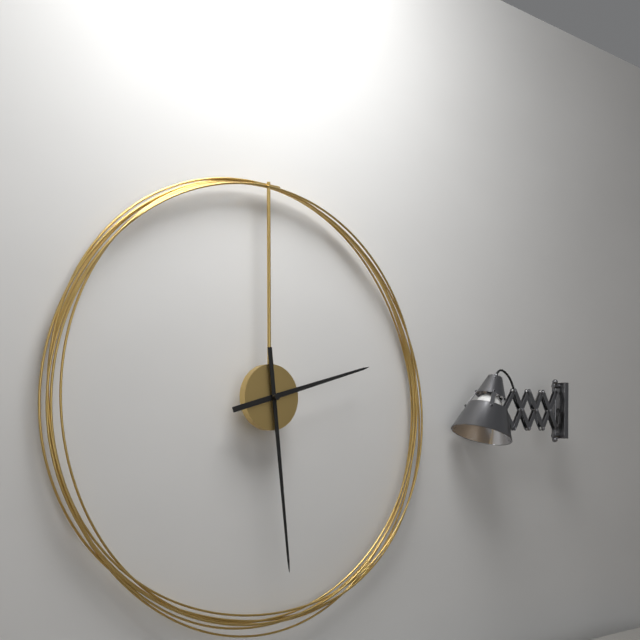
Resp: 2,29
